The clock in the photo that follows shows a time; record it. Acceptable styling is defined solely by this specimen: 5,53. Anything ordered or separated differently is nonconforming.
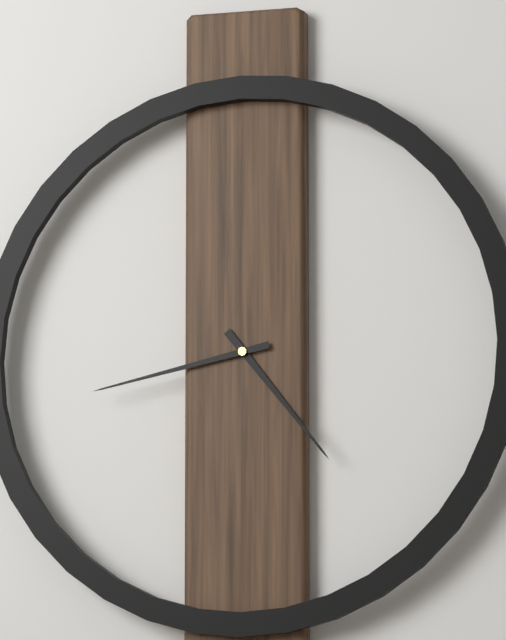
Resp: 4,43
